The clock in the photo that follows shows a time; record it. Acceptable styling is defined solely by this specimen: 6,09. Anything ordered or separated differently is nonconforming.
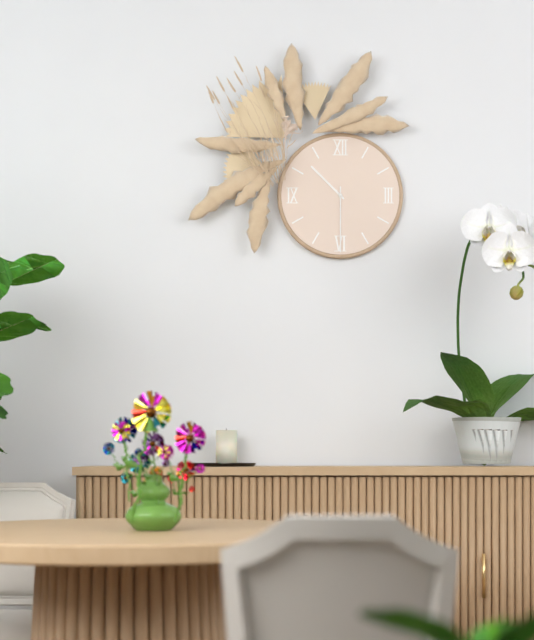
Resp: 10,30
